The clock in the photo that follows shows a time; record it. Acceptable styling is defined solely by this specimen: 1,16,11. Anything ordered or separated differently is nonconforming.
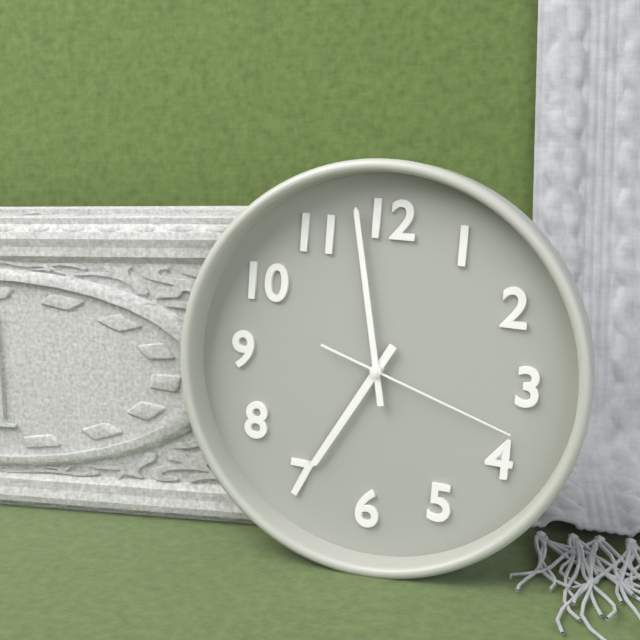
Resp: 6,58,18
